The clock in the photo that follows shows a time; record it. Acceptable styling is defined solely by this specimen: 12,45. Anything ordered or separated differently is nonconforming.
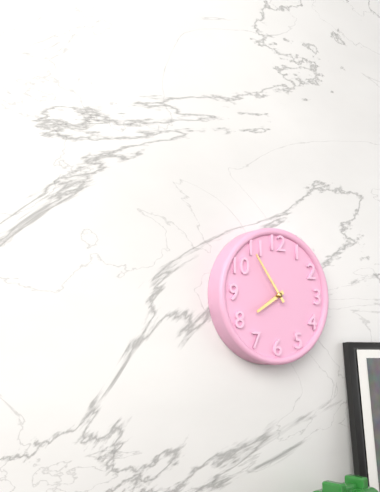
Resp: 7,54
